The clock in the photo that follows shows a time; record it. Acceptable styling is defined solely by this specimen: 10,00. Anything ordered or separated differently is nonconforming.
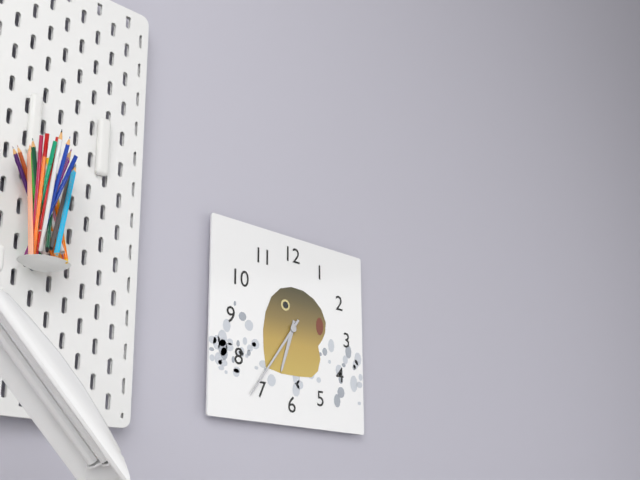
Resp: 6,36
